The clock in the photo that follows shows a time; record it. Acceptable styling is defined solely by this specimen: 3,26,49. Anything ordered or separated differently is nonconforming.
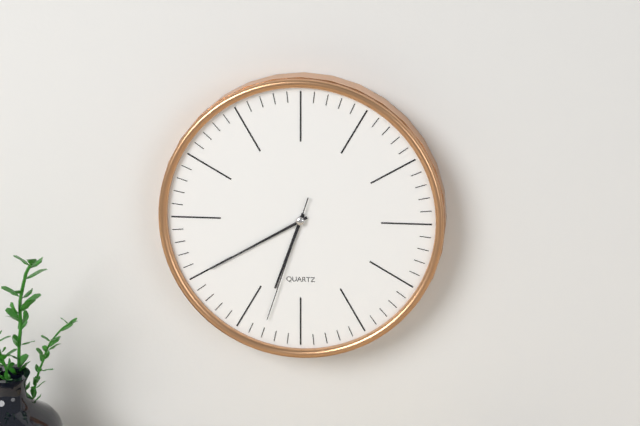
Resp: 6,40,33
